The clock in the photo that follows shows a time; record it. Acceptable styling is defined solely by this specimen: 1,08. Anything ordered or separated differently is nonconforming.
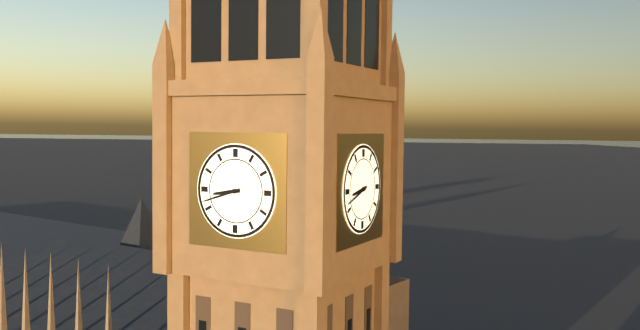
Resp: 8,42
